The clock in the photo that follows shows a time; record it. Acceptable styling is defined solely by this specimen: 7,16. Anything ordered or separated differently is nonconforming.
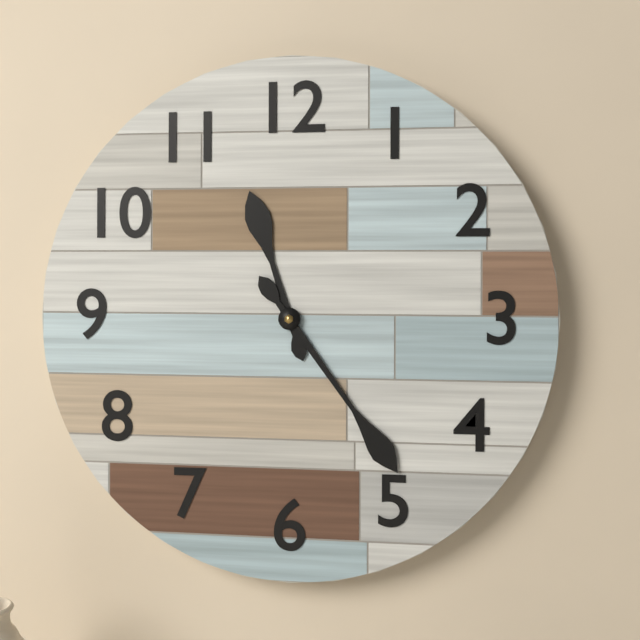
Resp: 11,24
